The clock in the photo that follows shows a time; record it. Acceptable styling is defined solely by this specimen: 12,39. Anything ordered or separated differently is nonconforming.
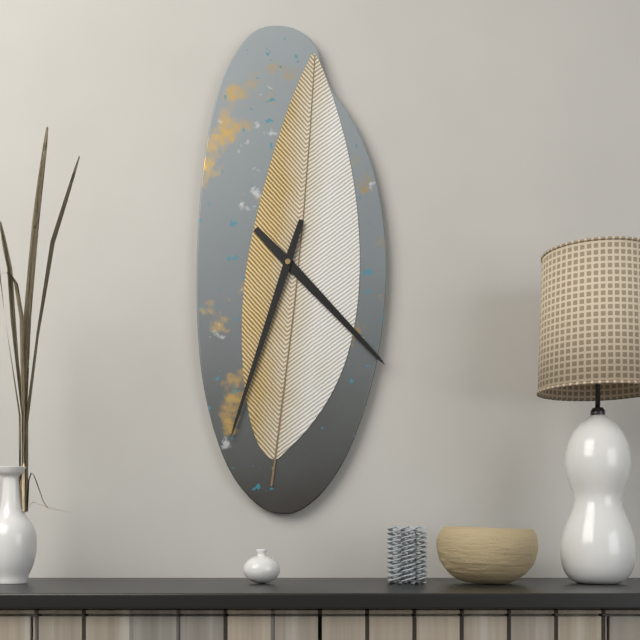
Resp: 4,33
